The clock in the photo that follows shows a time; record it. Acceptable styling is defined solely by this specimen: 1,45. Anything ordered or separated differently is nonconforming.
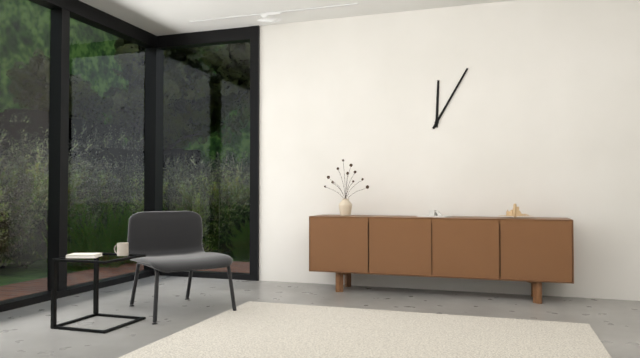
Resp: 12,05
